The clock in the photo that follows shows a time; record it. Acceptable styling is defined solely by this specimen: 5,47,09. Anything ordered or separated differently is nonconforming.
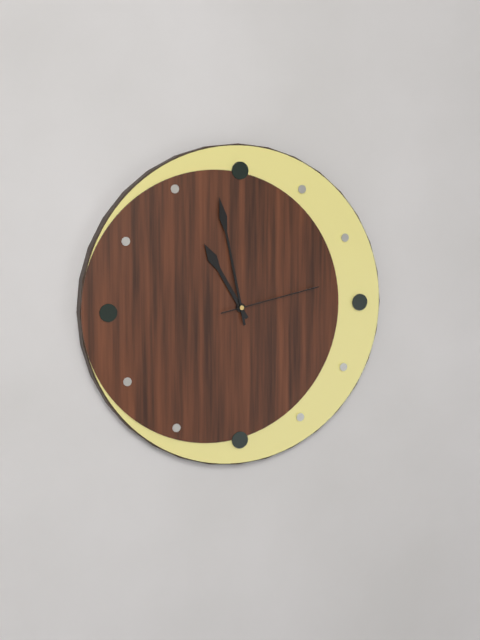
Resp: 10,58,13
